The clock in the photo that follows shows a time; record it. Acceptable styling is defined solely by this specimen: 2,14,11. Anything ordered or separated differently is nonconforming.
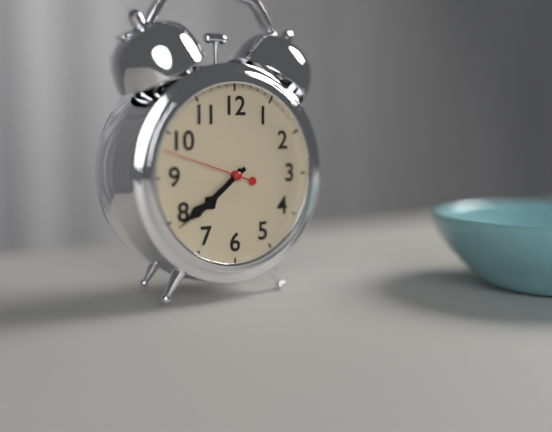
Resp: 7,39,48
